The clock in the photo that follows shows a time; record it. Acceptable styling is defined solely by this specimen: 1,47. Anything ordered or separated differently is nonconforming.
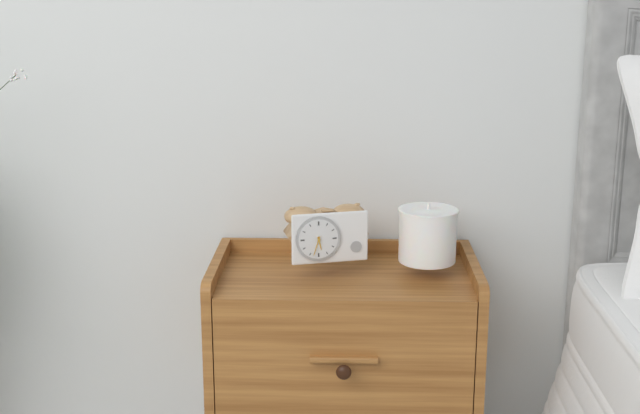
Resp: 5,33
